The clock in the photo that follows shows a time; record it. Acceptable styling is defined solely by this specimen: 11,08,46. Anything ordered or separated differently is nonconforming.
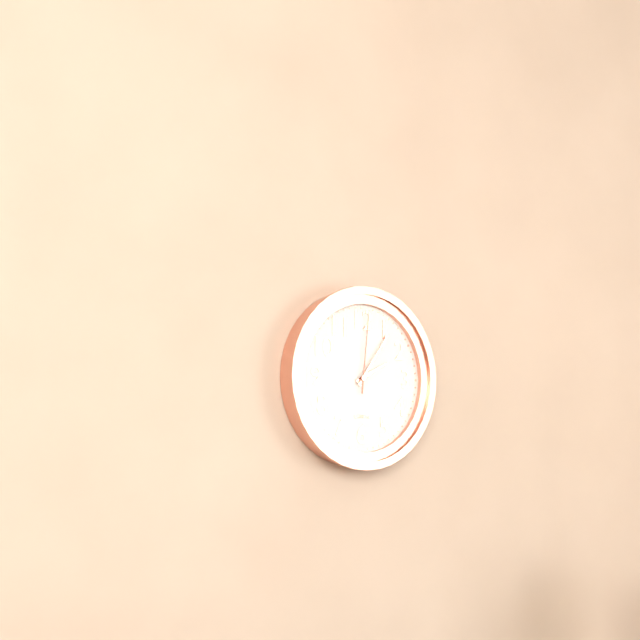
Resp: 2,06,01
